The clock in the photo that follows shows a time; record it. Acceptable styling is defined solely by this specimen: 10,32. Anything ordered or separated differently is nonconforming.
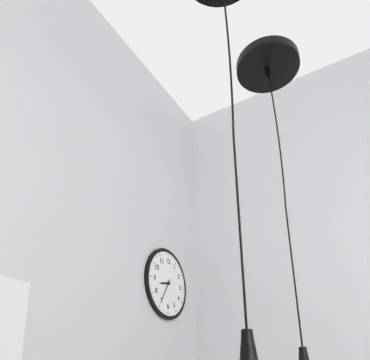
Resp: 8,35
